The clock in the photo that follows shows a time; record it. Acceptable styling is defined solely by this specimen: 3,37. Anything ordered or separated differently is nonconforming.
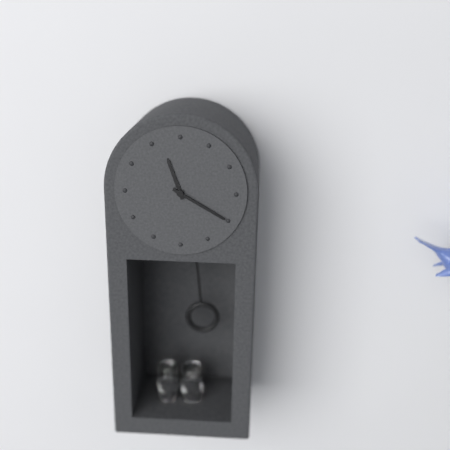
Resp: 11,20
